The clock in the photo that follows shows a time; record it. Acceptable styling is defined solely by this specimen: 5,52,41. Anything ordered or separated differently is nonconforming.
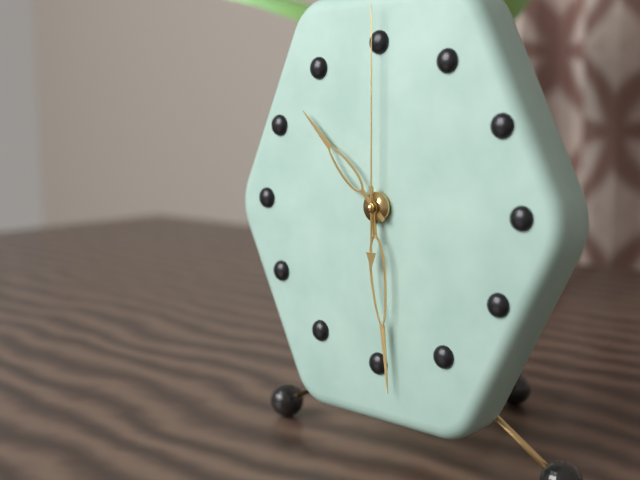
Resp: 10,29,00
